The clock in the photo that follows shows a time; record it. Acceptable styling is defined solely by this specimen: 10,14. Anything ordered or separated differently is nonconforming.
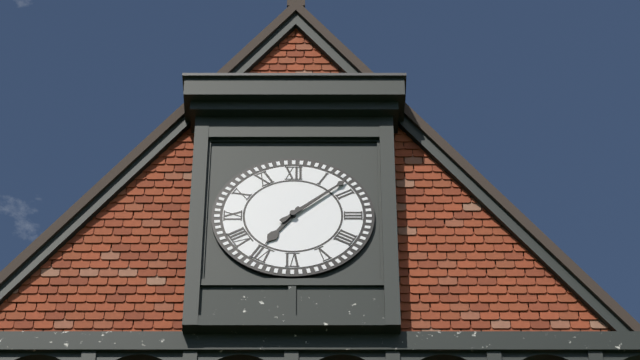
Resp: 7,08
